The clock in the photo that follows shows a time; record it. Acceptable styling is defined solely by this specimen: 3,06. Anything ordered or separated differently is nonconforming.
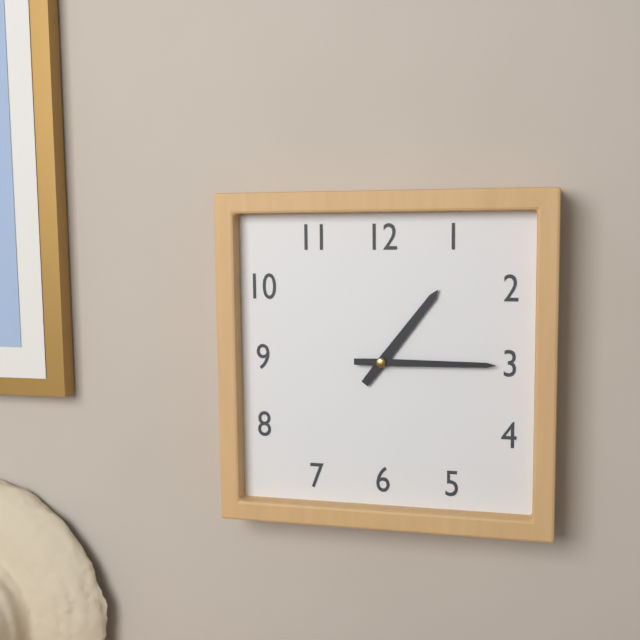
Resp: 1,15
